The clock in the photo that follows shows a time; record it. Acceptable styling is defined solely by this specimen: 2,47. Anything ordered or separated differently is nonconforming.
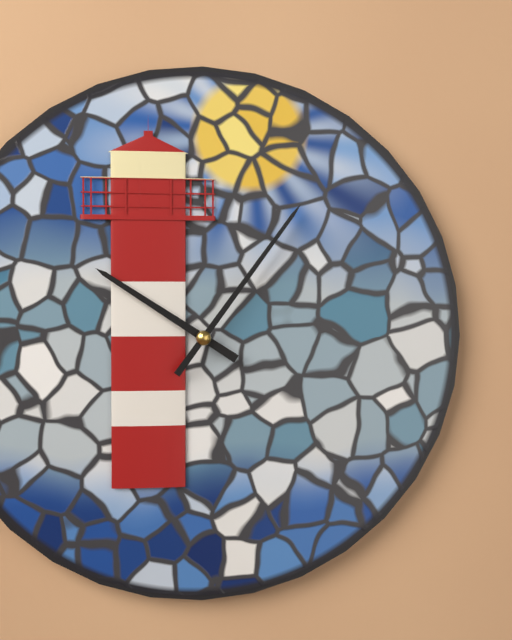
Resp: 10,06
